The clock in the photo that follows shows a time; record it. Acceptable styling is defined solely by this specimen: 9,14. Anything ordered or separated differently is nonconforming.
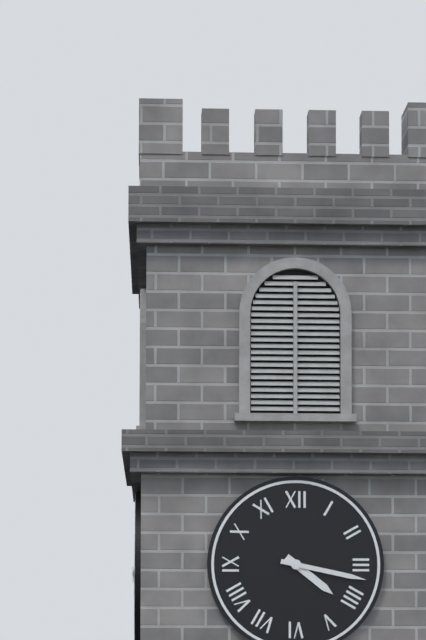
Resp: 4,17
